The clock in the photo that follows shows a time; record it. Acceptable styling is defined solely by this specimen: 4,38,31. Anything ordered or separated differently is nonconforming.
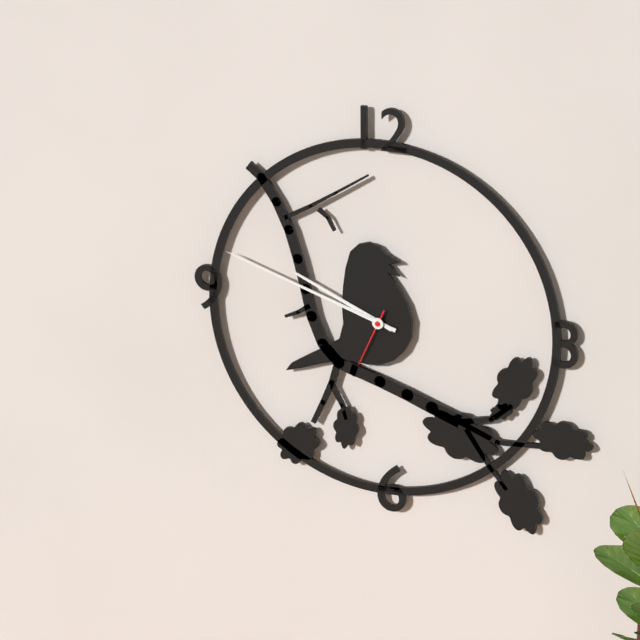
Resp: 9,48,34
